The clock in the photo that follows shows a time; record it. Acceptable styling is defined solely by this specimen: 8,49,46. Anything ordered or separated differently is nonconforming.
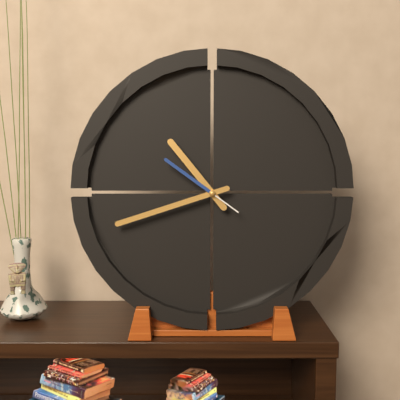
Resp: 10,42,51
